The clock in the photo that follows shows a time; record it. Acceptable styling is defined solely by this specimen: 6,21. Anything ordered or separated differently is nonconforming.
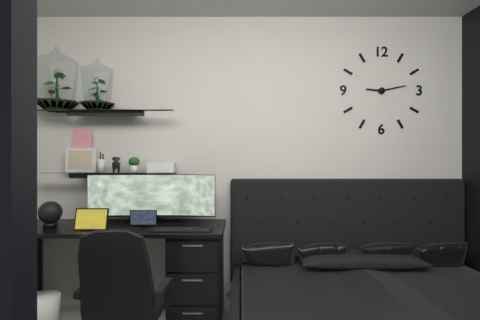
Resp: 9,13
